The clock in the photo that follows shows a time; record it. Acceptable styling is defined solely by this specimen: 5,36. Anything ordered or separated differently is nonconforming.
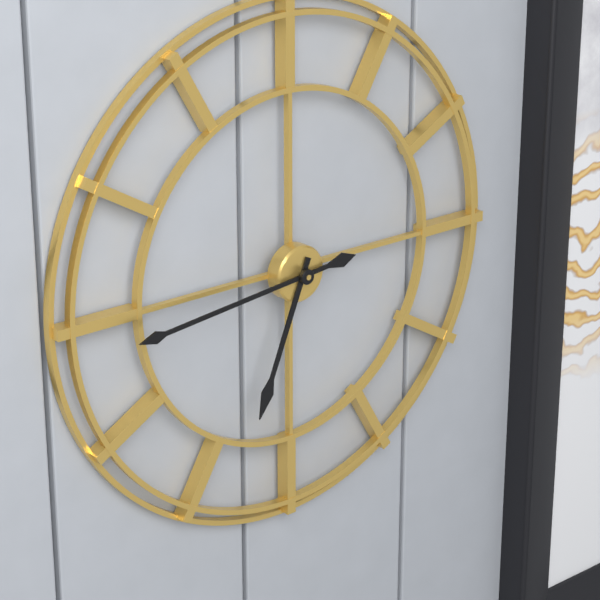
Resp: 6,44
